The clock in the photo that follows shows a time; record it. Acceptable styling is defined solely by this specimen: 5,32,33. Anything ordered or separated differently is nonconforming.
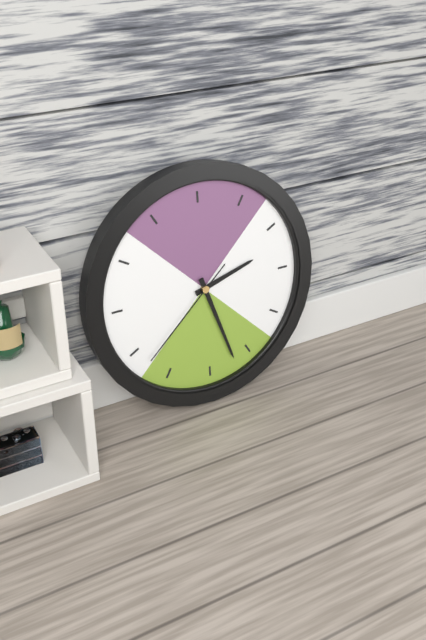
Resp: 2,27,38
